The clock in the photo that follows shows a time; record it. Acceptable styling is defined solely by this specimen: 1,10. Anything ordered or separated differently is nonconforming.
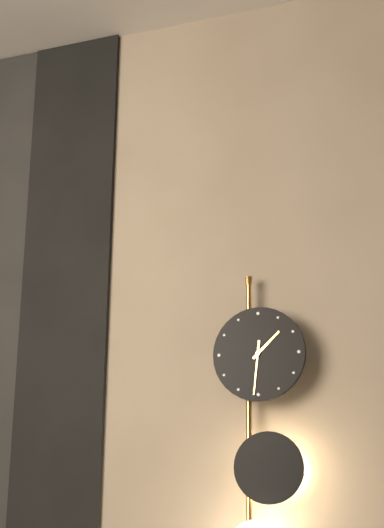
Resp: 1,31
